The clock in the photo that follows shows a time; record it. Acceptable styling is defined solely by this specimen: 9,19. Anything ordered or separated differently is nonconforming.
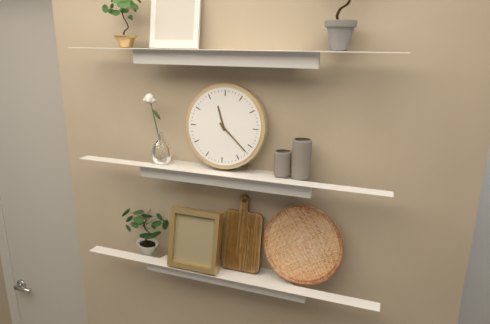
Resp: 11,22
